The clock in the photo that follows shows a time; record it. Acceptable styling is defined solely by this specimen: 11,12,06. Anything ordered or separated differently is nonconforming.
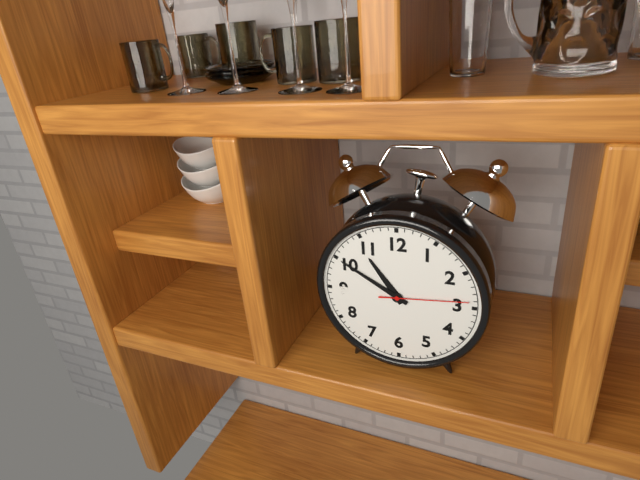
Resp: 10,50,14
